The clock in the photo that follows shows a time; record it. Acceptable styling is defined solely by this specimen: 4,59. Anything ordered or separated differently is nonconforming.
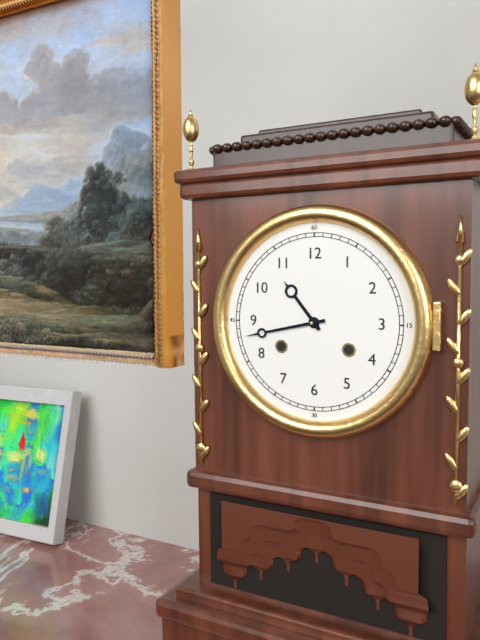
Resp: 10,43
